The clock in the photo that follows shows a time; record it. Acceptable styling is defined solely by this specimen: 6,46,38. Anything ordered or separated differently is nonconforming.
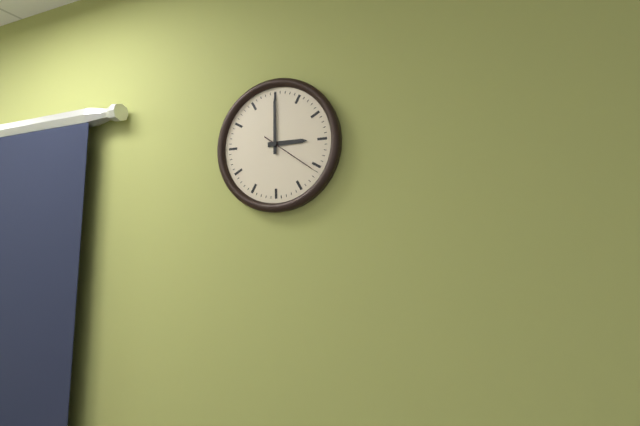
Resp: 3,00,21
